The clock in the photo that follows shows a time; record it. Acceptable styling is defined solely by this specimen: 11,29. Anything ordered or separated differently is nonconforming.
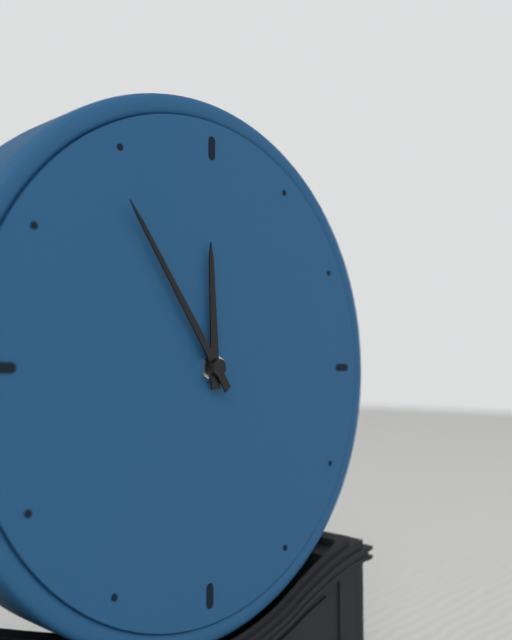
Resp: 11,54
